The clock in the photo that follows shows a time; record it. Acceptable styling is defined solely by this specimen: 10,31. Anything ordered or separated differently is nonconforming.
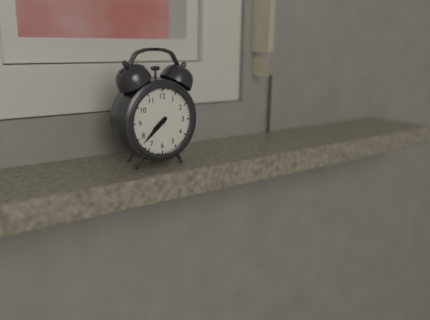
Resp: 7,38
